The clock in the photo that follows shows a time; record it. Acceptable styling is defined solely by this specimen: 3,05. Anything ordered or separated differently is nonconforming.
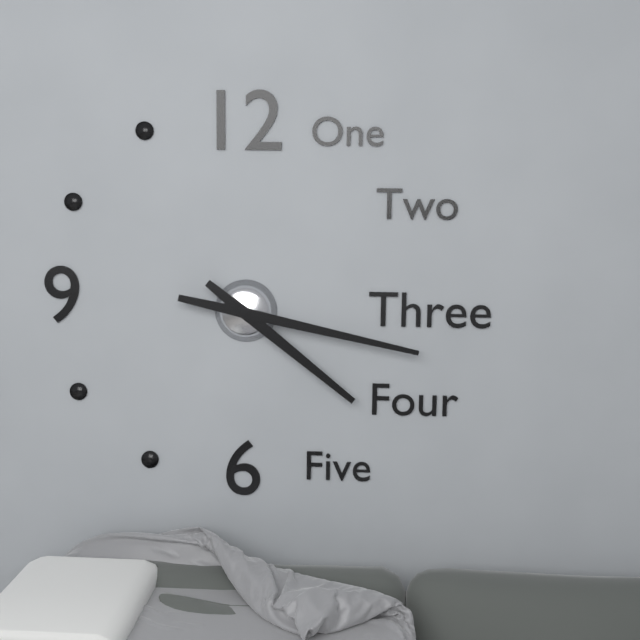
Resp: 4,17
